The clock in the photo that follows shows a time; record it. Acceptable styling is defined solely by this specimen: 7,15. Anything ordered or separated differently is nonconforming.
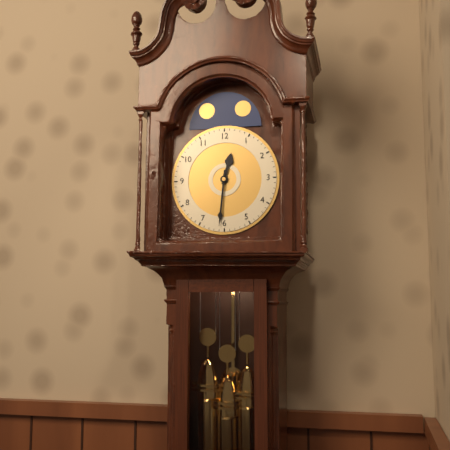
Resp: 12,31
